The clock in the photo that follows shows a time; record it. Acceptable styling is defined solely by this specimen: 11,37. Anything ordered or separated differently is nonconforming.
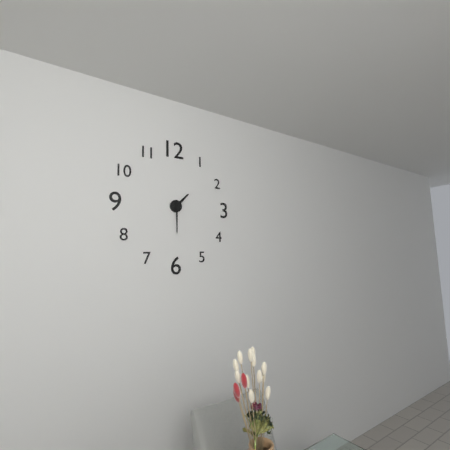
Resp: 1,30
